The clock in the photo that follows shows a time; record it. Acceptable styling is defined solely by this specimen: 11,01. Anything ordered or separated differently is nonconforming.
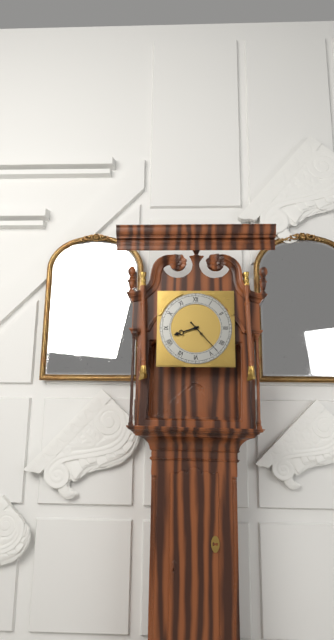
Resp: 8,23
